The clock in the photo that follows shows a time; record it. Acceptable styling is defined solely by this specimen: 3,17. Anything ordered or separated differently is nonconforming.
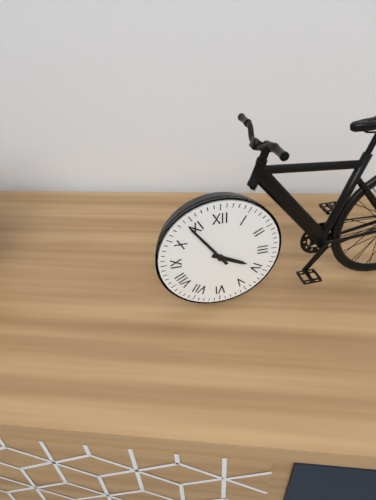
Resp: 3,54
